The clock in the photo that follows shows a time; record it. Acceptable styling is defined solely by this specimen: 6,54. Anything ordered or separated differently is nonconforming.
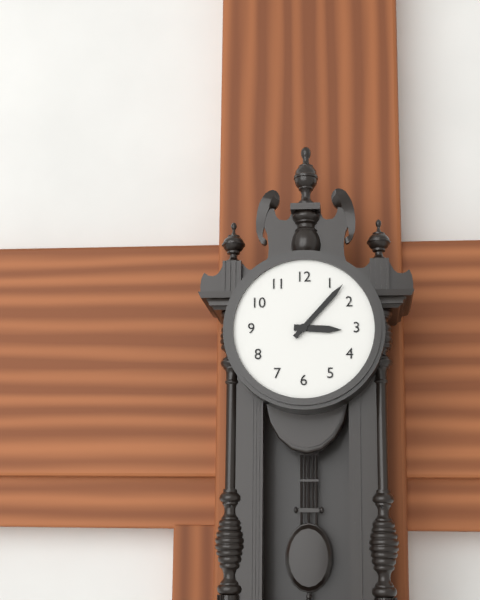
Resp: 3,07
